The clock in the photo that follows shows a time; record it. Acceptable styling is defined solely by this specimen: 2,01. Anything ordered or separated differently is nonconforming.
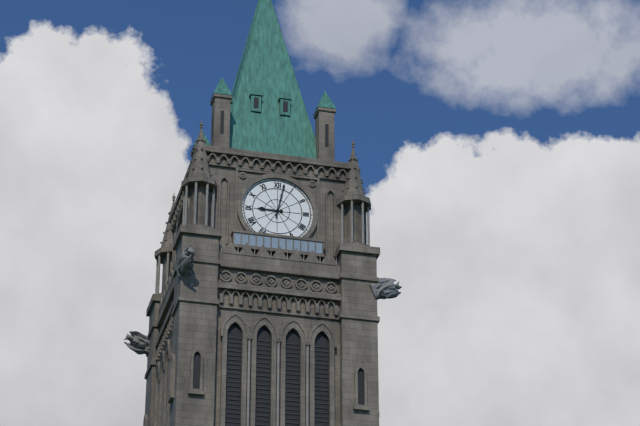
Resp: 9,02
